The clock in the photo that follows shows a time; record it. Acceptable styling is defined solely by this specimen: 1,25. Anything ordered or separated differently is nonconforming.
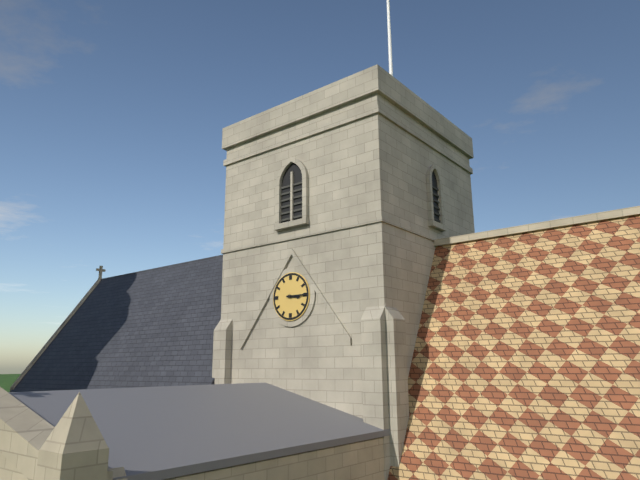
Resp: 3,15
